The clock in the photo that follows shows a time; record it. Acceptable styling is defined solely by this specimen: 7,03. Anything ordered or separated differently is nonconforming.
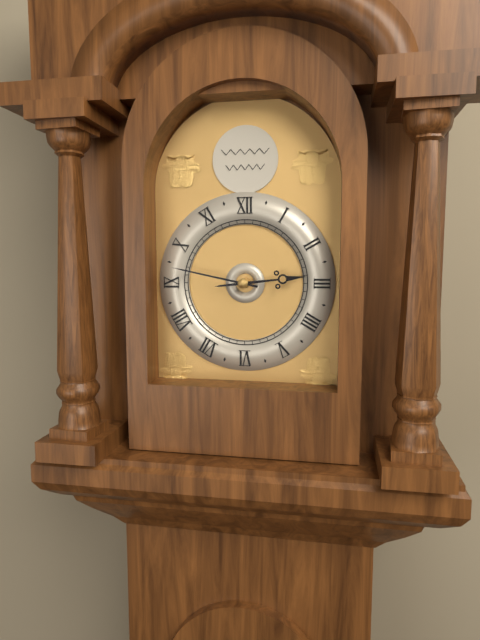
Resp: 2,47
